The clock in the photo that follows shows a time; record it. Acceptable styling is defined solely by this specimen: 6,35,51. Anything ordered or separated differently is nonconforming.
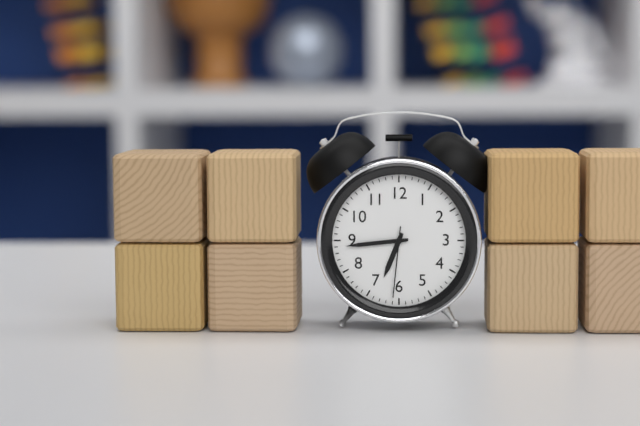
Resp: 6,44,31
